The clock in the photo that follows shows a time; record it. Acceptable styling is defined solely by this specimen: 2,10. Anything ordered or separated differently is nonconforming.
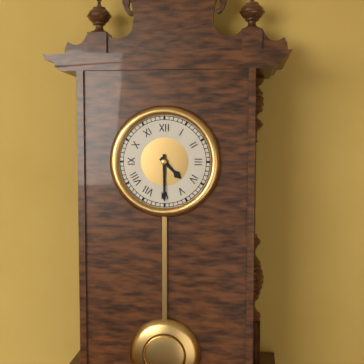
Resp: 4,30
